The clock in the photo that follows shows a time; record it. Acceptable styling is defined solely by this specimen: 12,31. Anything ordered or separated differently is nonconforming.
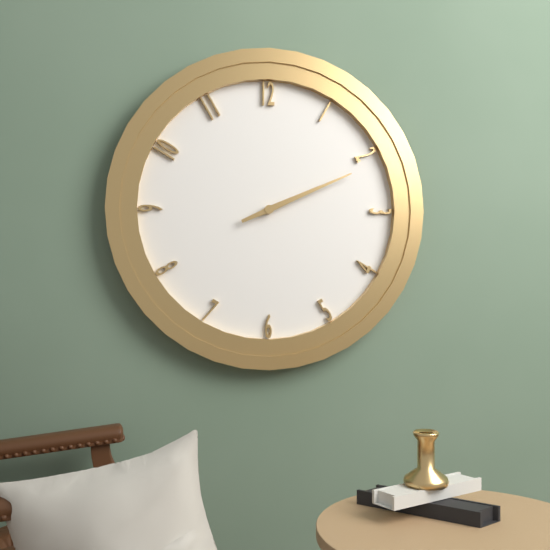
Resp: 2,11
